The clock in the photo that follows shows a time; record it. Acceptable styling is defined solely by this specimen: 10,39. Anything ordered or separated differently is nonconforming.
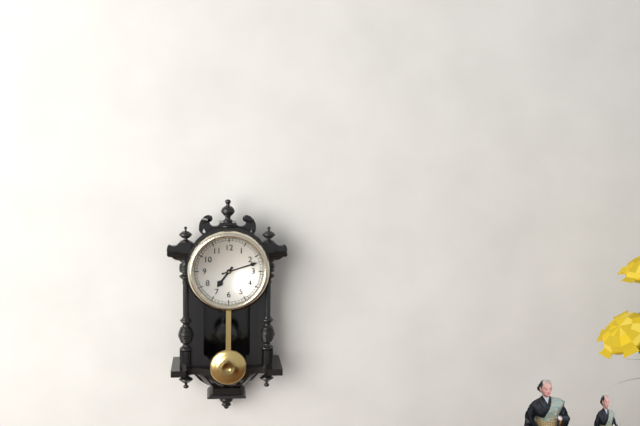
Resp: 7,12
